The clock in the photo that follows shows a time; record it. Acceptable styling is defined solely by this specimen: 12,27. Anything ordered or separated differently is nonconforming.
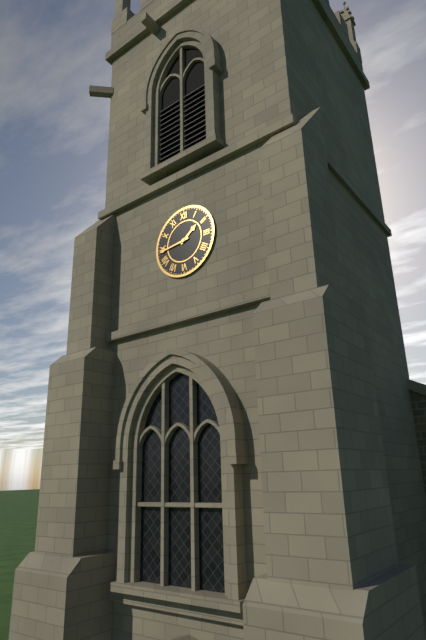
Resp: 1,44
